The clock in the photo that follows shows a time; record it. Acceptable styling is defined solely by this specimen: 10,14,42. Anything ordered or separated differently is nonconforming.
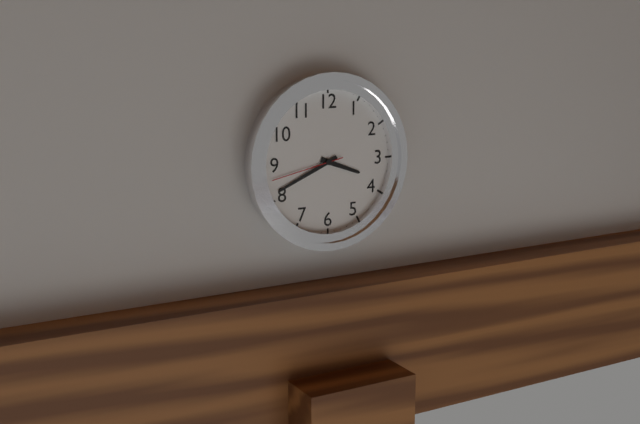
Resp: 3,41,43
